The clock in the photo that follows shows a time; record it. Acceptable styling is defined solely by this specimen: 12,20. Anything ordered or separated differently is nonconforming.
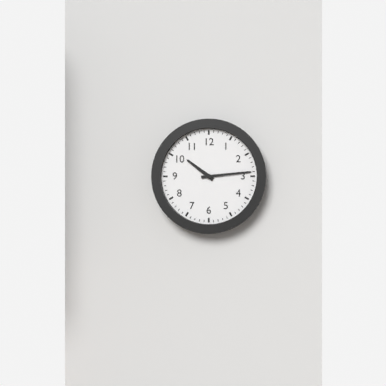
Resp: 10,14
